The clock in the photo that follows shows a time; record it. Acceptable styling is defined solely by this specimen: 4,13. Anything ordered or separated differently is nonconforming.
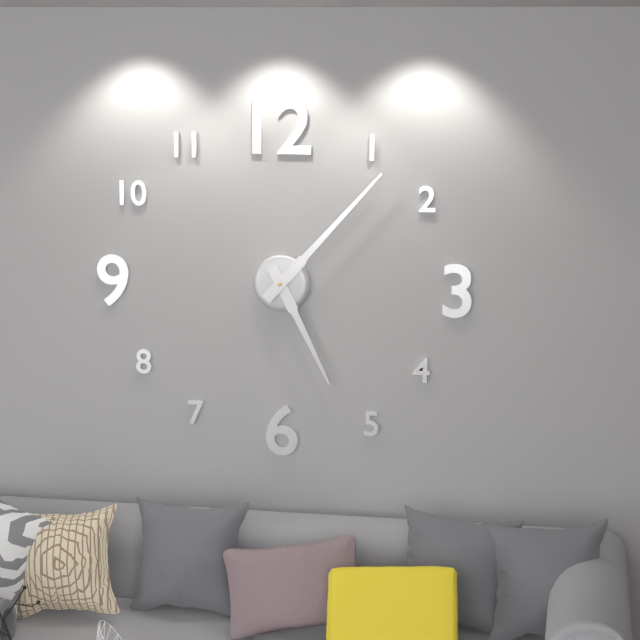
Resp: 5,07
